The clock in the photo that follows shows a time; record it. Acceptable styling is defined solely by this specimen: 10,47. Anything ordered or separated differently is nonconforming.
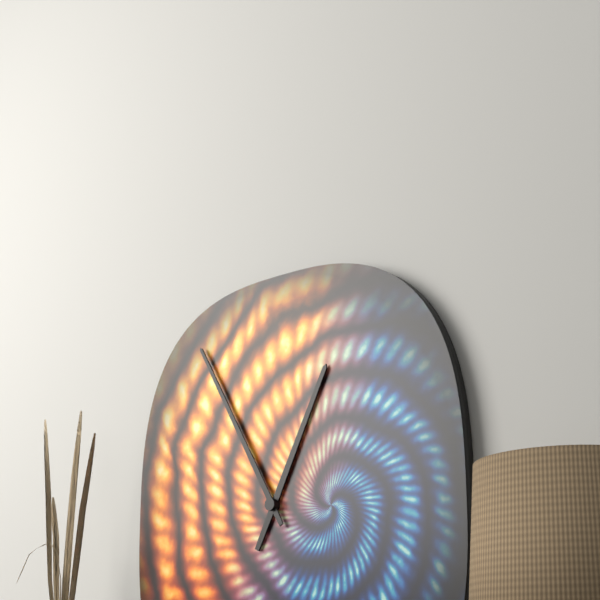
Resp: 12,55
